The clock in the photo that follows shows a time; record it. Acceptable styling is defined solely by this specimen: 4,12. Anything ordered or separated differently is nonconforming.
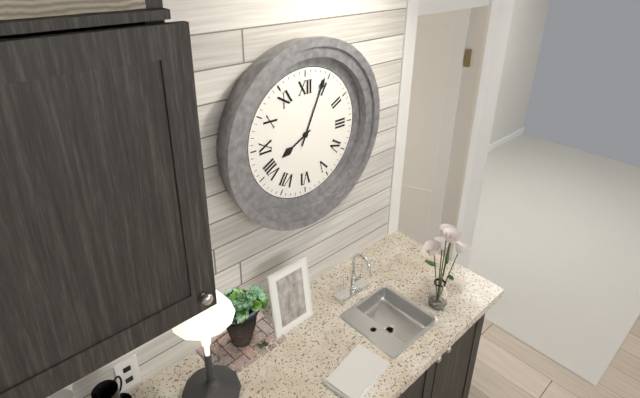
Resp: 8,04
